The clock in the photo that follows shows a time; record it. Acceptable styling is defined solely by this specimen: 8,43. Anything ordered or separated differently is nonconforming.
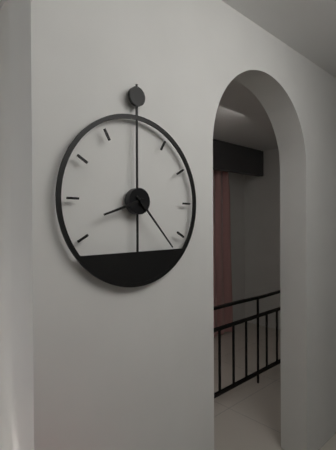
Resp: 8,23
